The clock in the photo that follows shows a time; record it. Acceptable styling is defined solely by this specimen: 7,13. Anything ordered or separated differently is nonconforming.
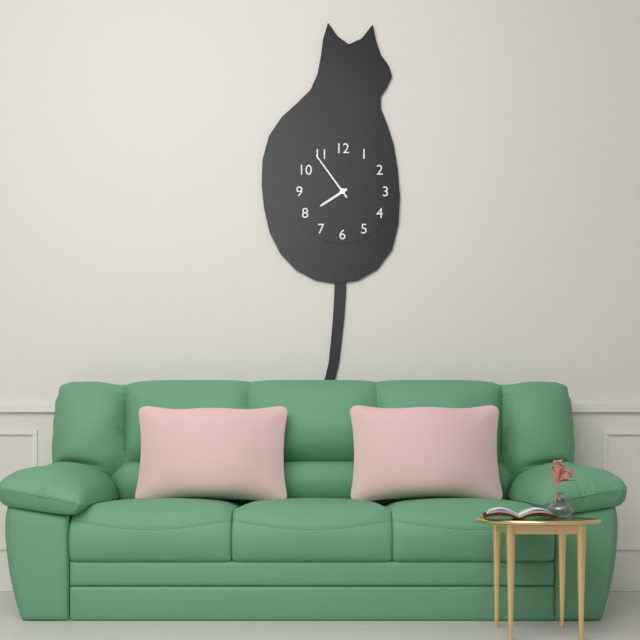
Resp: 7,54
